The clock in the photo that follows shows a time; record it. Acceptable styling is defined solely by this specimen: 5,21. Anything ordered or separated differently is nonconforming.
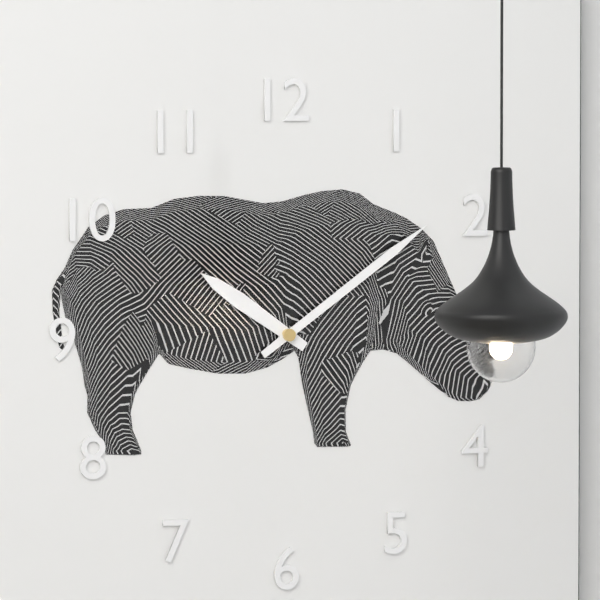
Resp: 10,09
